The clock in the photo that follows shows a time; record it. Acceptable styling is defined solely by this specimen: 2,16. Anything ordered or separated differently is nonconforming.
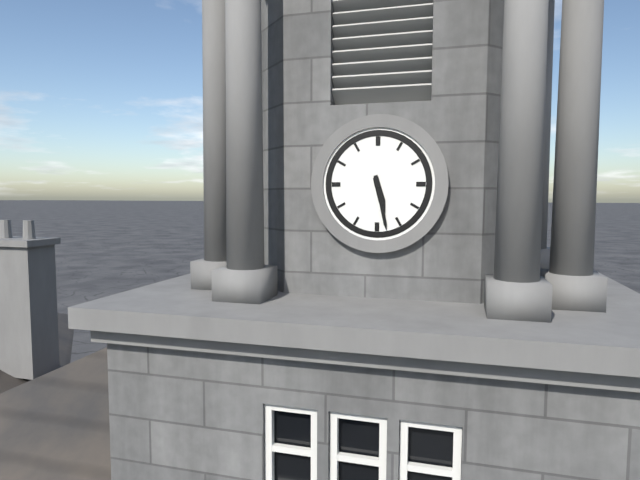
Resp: 5,28
